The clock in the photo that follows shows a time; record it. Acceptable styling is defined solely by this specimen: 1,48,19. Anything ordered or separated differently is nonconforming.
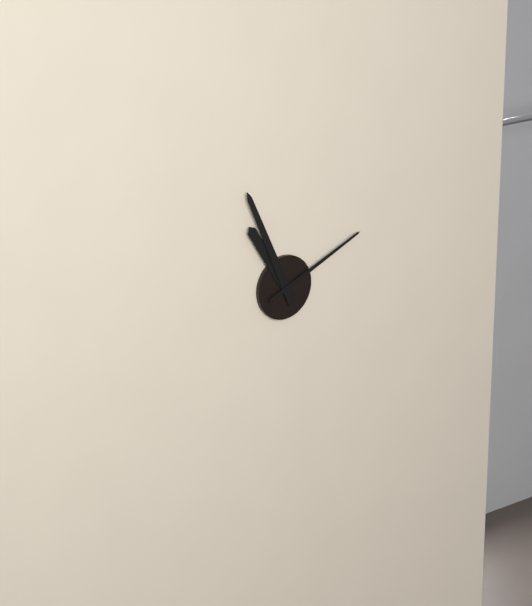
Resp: 10,56,11
